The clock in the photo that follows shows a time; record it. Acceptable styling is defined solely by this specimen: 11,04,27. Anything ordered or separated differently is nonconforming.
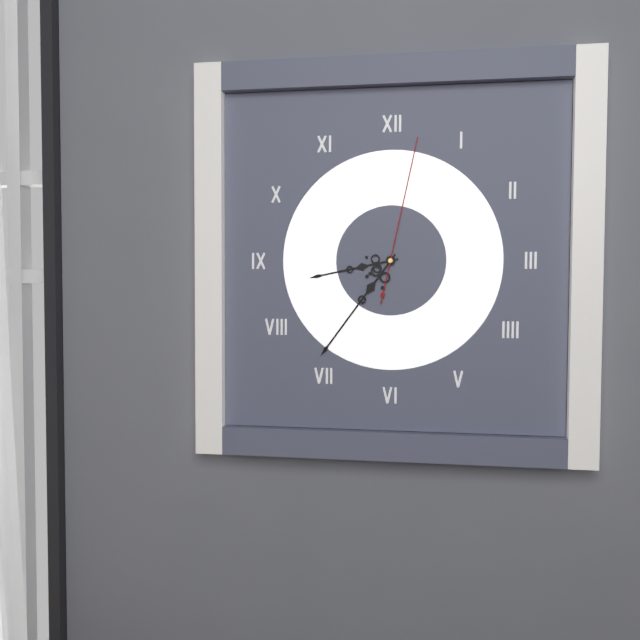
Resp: 8,36,02
